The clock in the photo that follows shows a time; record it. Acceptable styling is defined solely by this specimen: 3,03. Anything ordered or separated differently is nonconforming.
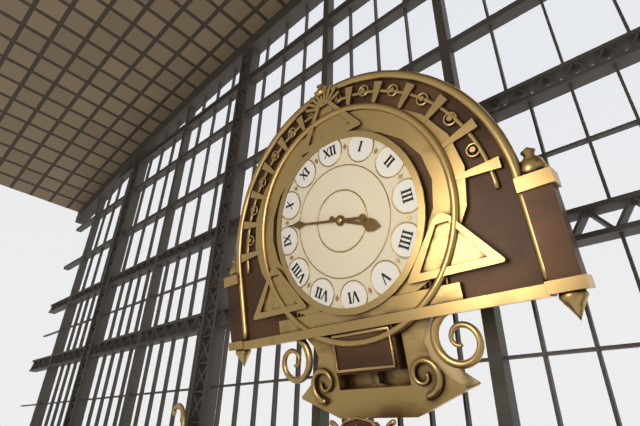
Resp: 3,47
